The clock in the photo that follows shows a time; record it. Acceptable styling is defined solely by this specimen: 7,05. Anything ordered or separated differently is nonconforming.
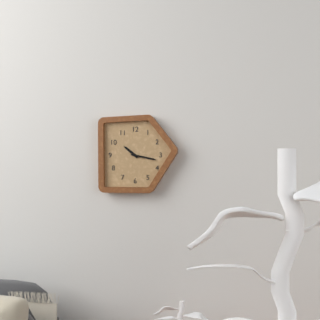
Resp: 10,17
